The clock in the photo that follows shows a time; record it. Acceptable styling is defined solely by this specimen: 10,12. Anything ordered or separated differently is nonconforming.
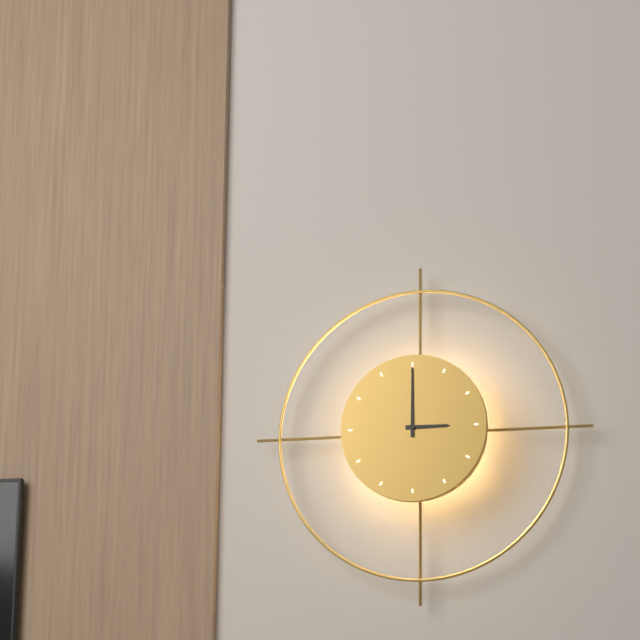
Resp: 3,00
